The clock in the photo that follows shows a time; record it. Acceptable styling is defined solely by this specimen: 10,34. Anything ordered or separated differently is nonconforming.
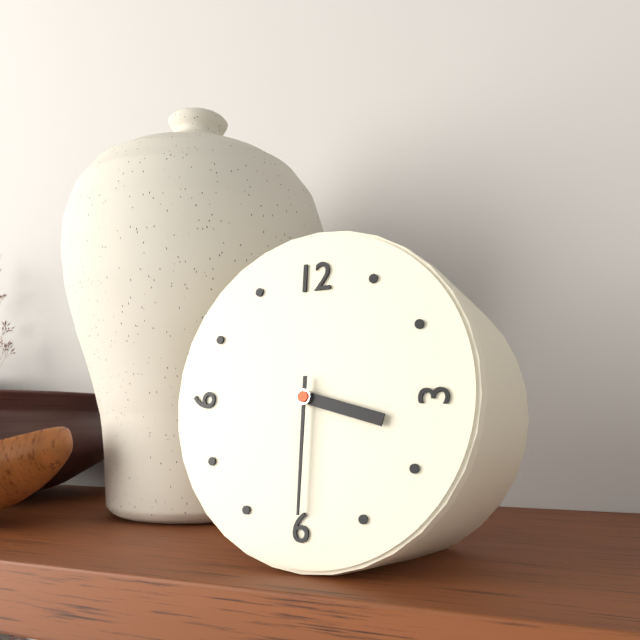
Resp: 3,30
